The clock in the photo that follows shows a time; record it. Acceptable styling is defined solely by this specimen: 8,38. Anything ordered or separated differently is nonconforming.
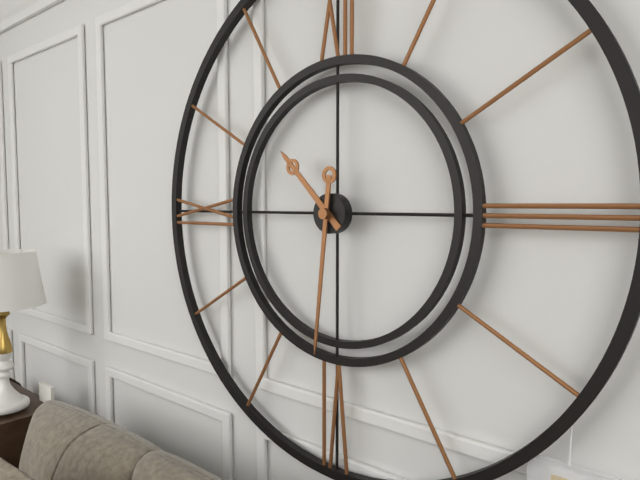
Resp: 10,31
